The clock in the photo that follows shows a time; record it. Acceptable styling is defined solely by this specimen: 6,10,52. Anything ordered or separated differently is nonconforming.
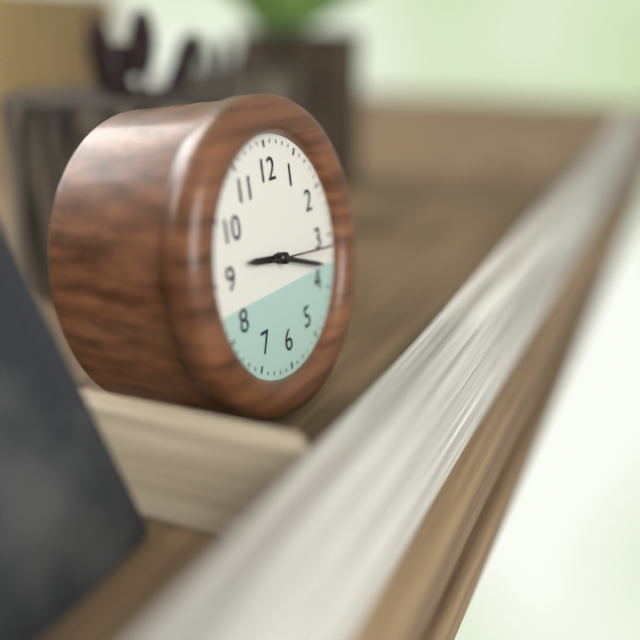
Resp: 9,18,16
